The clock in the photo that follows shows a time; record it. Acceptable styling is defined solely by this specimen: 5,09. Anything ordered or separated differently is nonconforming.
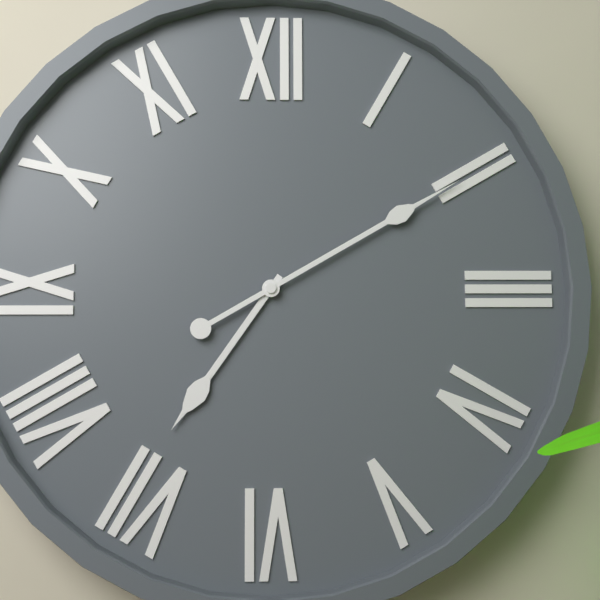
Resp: 7,10
